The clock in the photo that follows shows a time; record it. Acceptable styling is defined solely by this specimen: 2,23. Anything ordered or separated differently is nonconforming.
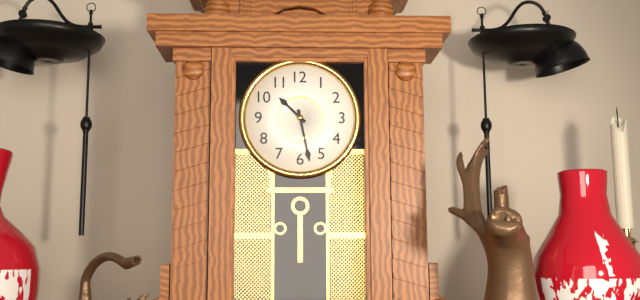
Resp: 10,28
